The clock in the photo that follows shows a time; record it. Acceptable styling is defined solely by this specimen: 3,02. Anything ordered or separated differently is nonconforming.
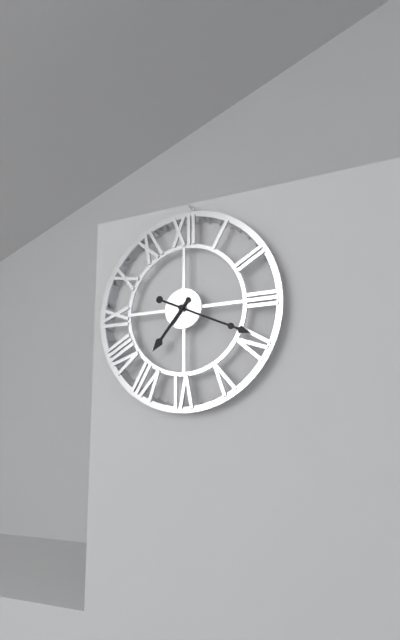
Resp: 7,19
